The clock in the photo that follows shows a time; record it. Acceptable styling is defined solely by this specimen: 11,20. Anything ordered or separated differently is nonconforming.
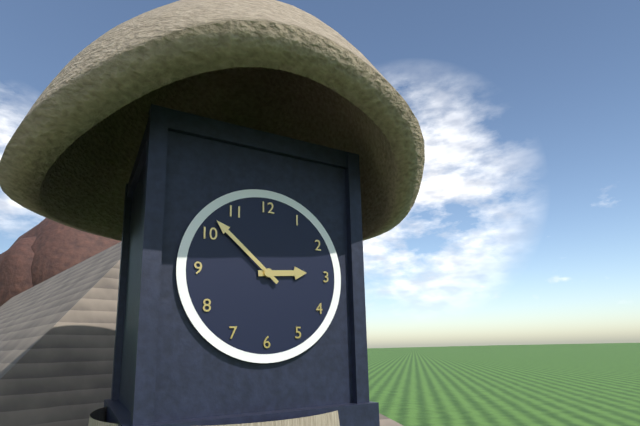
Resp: 2,52
